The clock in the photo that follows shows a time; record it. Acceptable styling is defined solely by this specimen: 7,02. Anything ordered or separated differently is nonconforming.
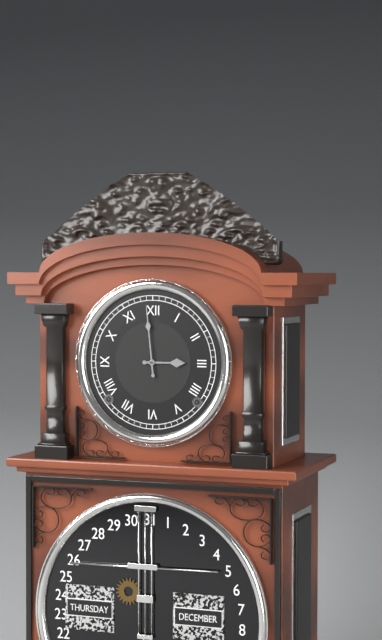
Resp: 2,59
